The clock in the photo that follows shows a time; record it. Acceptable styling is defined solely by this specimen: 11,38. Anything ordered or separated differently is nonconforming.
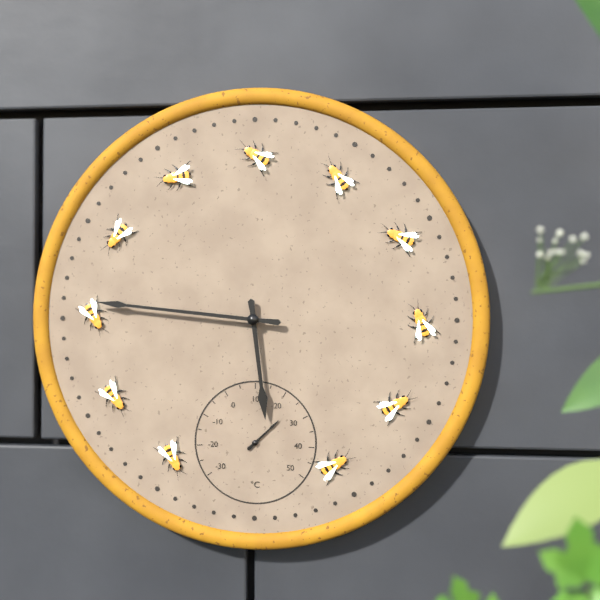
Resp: 5,46
